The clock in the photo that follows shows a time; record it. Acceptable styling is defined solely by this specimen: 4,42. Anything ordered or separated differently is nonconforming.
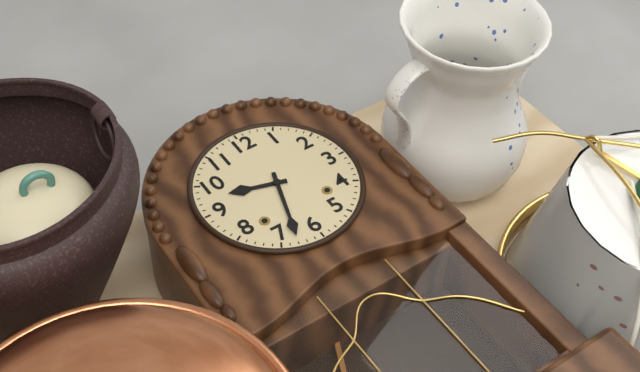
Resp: 9,33
